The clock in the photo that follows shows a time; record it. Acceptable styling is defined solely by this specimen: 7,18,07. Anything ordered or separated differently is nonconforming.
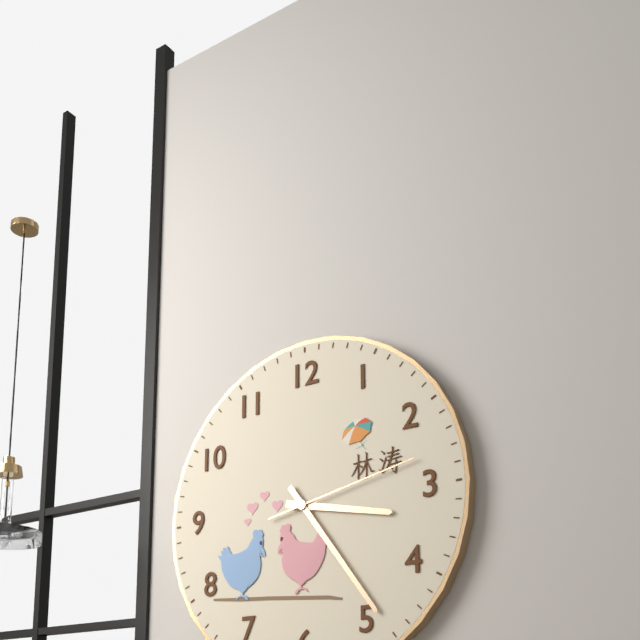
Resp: 3,24,13
